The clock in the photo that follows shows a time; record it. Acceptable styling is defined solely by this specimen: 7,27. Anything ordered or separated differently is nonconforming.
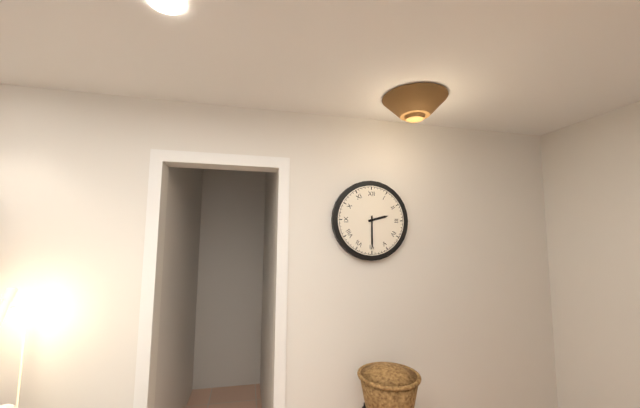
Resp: 2,30
